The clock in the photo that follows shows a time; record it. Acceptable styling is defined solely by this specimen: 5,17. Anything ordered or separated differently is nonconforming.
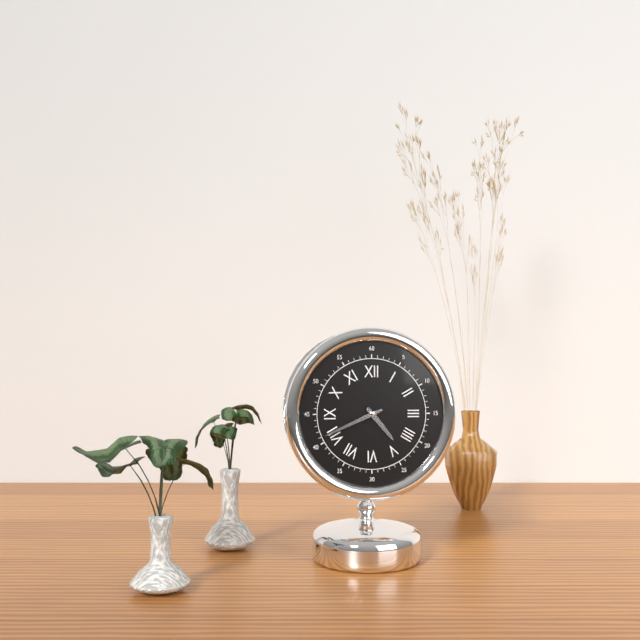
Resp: 4,41
